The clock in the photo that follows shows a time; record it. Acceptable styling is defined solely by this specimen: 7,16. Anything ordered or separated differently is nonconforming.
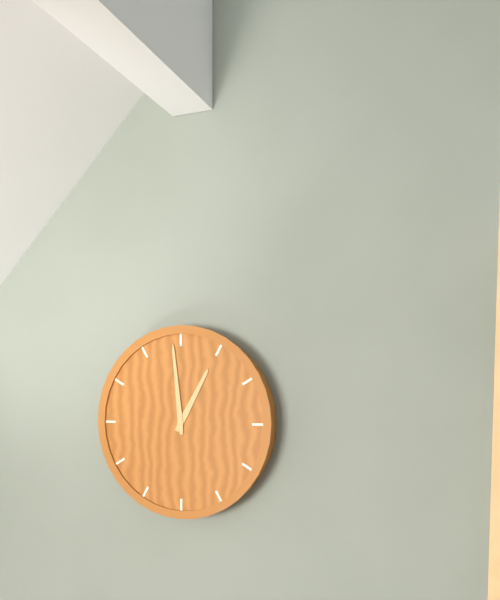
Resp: 12,59
